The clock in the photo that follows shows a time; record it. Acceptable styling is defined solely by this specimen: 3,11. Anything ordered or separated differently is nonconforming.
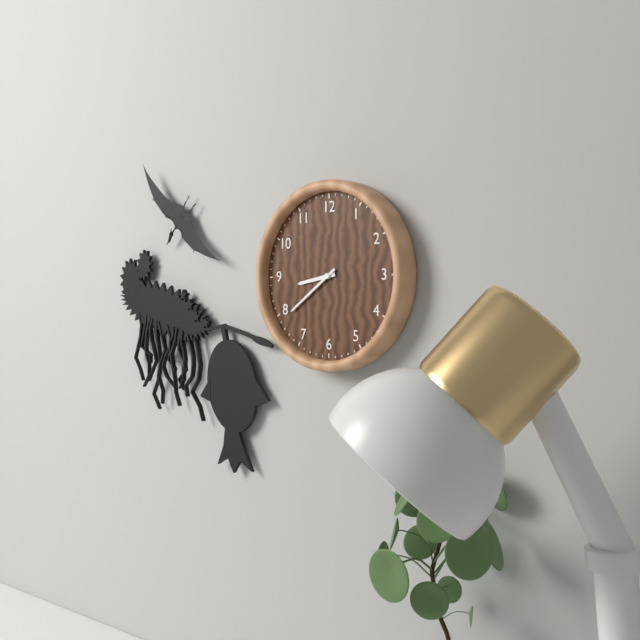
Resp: 8,39
